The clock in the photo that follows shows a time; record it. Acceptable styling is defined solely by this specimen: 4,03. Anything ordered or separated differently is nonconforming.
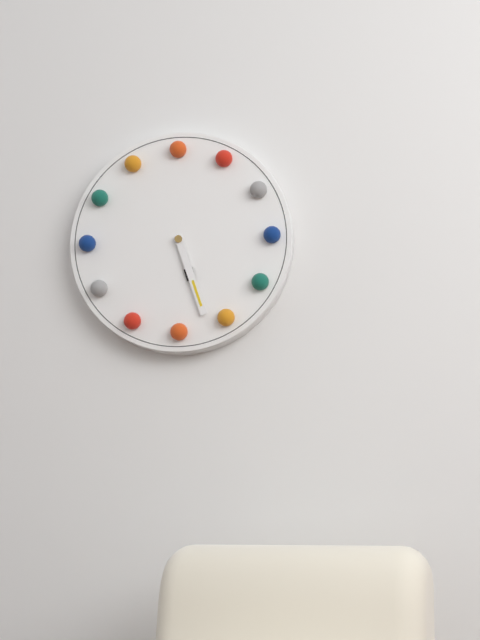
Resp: 5,27
